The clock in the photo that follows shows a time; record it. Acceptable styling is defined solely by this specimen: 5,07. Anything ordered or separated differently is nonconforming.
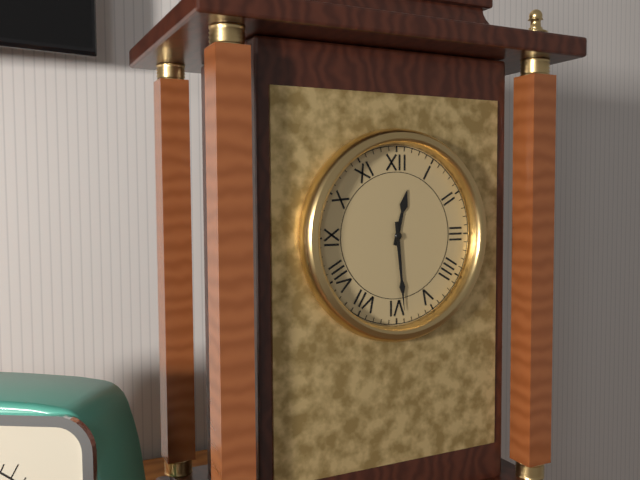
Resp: 12,29
